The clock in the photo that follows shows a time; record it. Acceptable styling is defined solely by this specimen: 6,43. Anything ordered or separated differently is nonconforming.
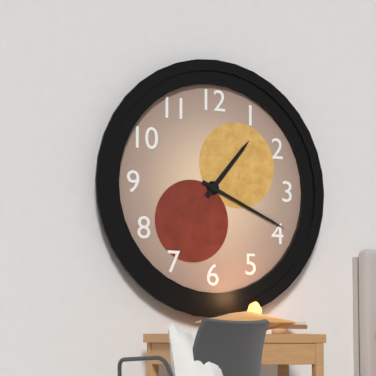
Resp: 1,19
